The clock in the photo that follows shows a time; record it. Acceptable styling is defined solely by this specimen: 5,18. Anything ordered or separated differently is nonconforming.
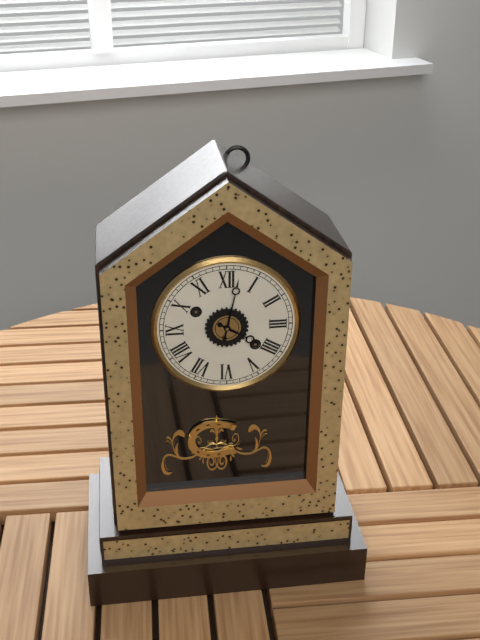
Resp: 4,02
